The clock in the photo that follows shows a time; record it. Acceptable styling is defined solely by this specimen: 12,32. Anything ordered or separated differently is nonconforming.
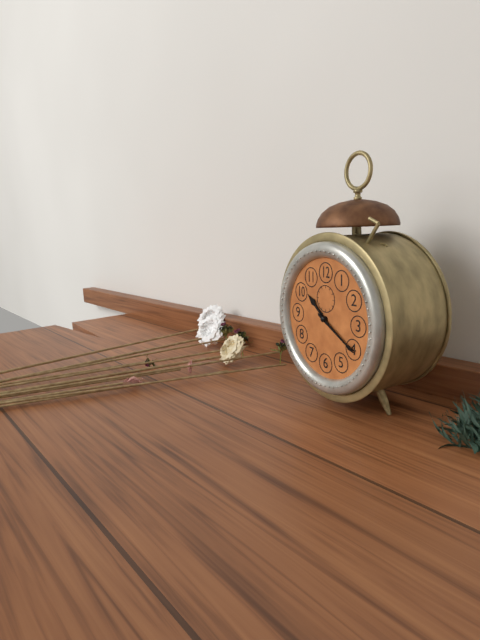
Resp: 10,20
